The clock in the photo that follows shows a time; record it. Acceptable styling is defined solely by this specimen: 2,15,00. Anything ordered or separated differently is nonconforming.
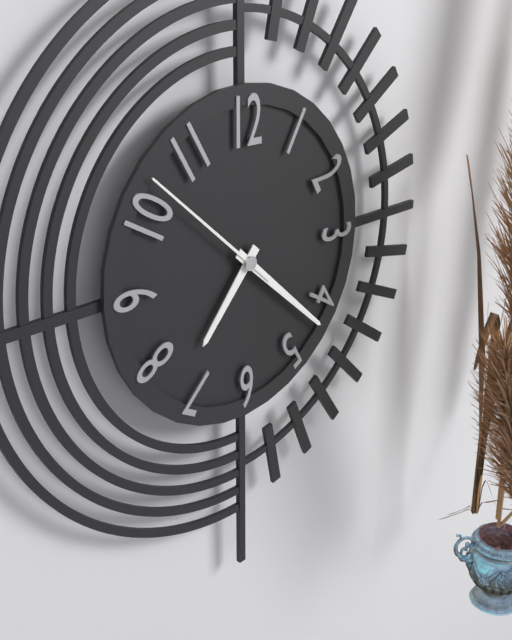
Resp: 7,22,52
